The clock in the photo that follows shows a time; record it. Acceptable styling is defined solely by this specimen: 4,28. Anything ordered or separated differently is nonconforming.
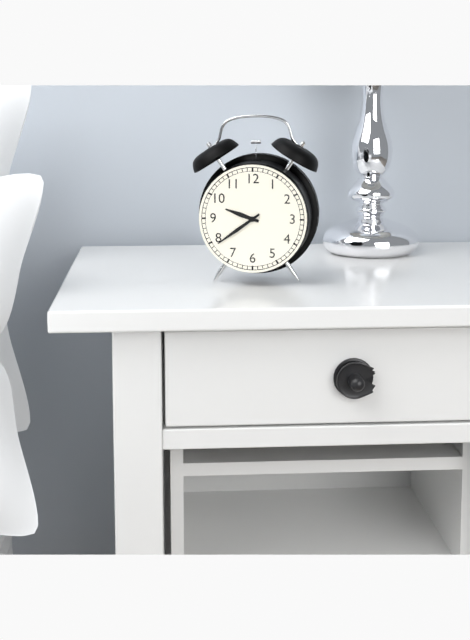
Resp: 9,39
